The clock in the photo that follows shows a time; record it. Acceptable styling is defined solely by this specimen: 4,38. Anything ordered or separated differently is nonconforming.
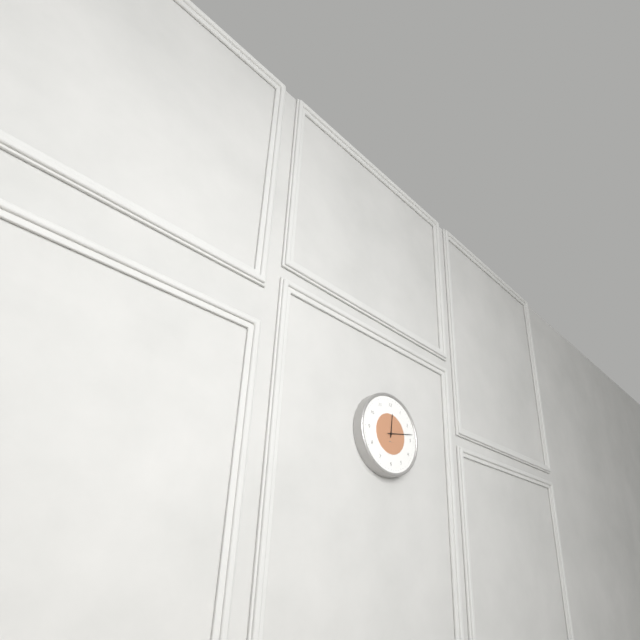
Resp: 12,13
